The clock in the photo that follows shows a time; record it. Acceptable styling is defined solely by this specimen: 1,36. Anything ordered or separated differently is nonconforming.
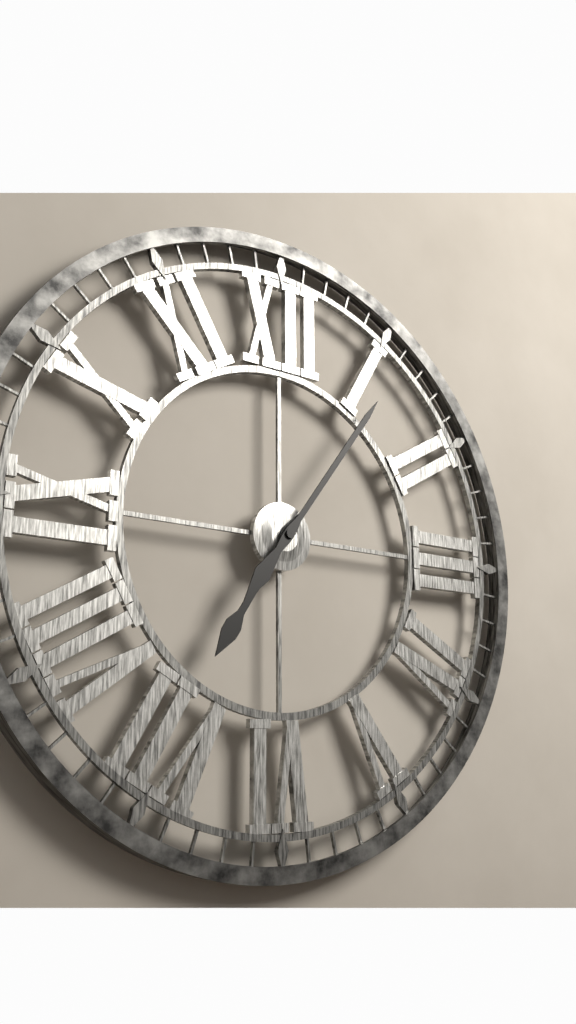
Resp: 7,06
